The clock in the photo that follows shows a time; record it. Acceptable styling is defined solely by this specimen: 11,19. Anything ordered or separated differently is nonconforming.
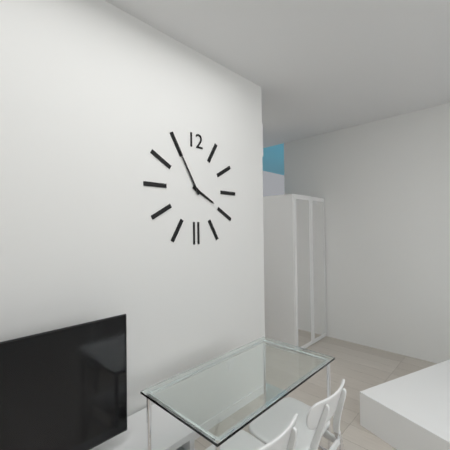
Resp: 3,55
